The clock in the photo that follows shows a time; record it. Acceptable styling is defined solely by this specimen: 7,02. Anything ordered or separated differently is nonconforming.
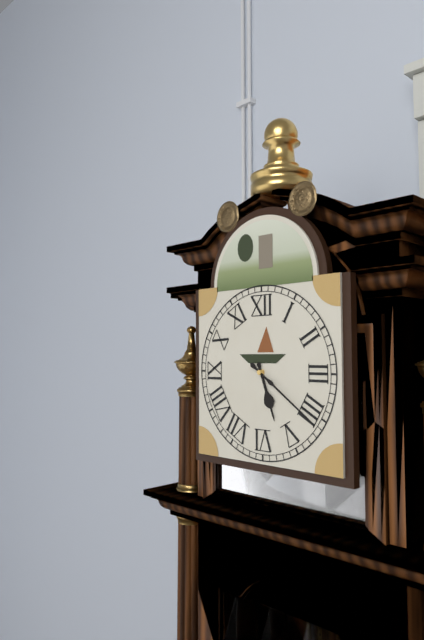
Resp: 5,21
